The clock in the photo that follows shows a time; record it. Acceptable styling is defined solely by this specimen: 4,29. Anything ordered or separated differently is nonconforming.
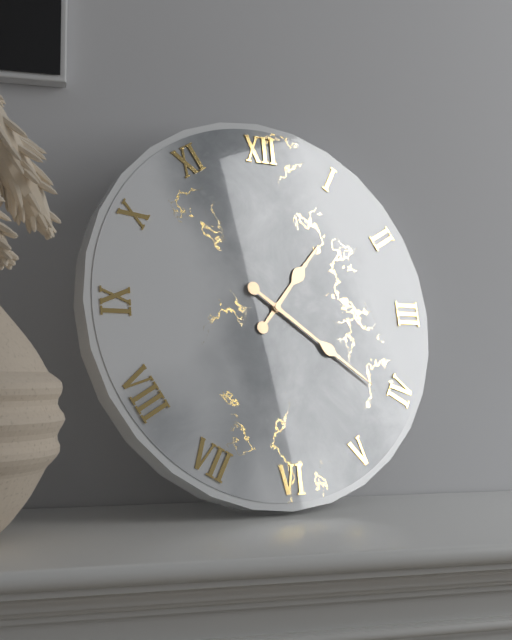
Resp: 1,21
